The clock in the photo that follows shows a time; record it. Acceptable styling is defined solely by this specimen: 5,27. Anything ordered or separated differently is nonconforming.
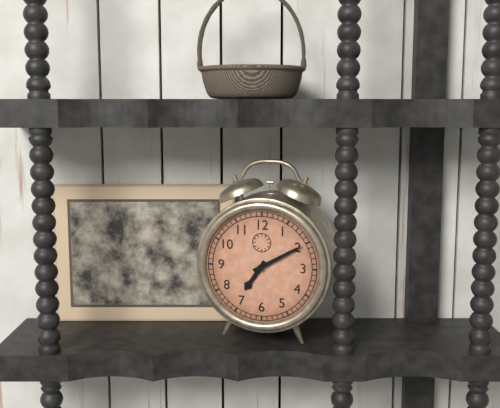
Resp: 7,10
